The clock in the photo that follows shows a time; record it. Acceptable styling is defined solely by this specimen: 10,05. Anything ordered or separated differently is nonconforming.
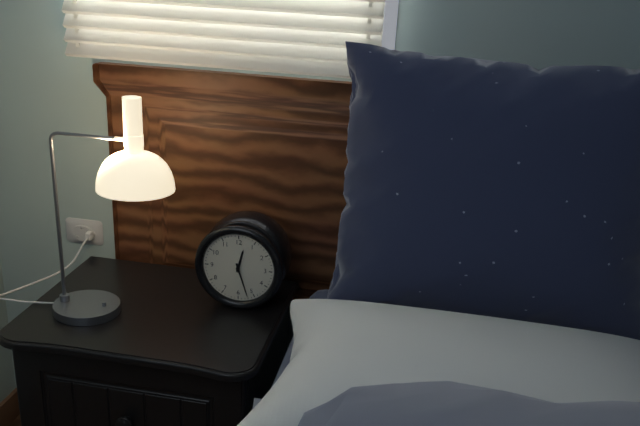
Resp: 12,27
